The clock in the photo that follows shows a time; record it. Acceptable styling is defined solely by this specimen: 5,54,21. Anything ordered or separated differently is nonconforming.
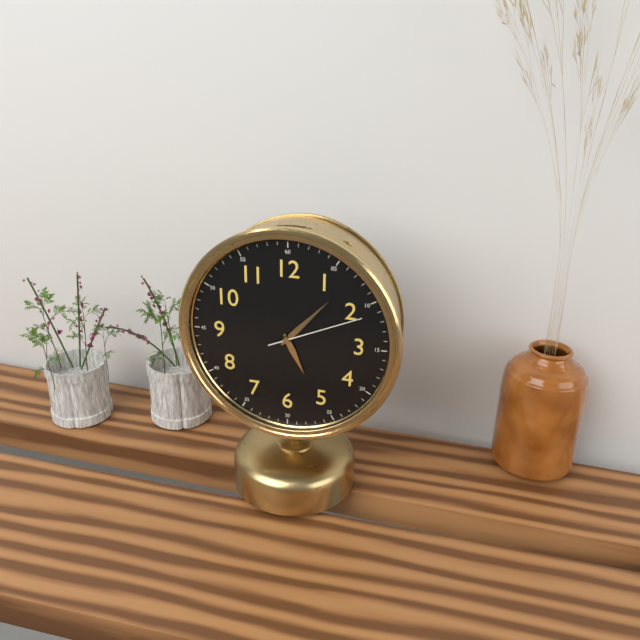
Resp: 5,07,11
